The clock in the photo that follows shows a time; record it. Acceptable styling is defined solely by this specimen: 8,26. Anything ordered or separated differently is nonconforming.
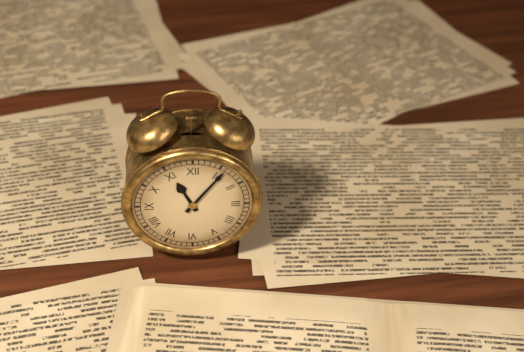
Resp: 11,06
